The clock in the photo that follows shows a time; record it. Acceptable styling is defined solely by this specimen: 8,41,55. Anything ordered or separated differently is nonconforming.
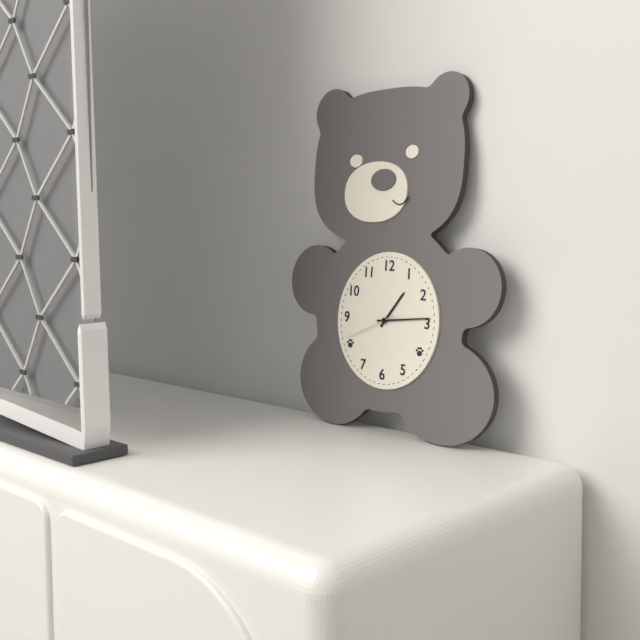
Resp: 1,14,41
